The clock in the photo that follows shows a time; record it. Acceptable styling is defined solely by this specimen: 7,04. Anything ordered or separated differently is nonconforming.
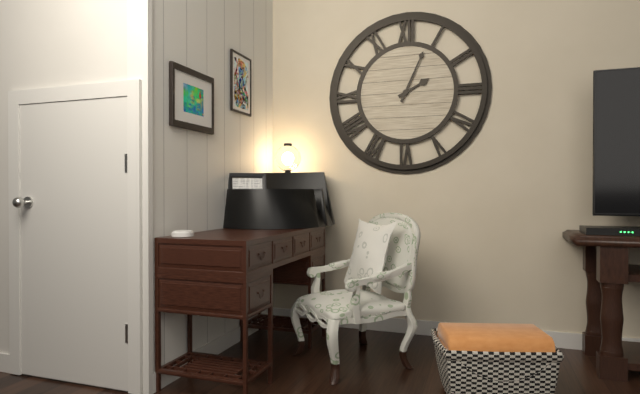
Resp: 2,04
